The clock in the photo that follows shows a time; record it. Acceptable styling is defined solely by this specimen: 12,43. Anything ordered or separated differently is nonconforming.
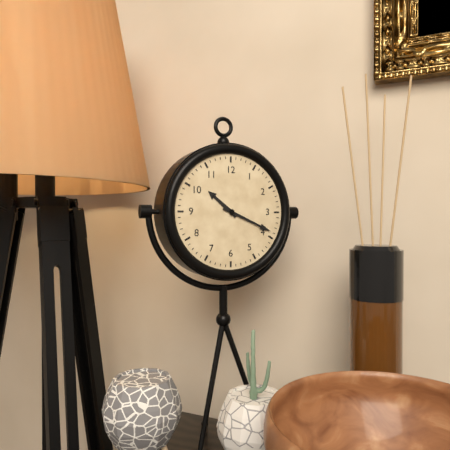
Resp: 10,19
